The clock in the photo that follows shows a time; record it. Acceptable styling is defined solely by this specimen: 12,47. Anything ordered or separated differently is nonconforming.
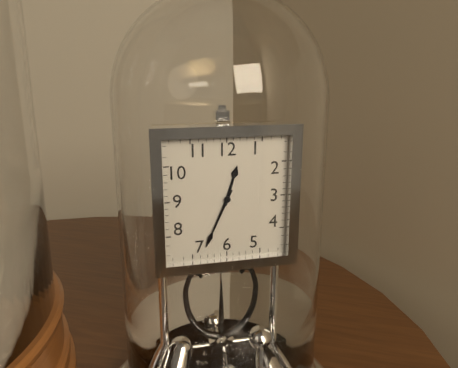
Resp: 12,34
